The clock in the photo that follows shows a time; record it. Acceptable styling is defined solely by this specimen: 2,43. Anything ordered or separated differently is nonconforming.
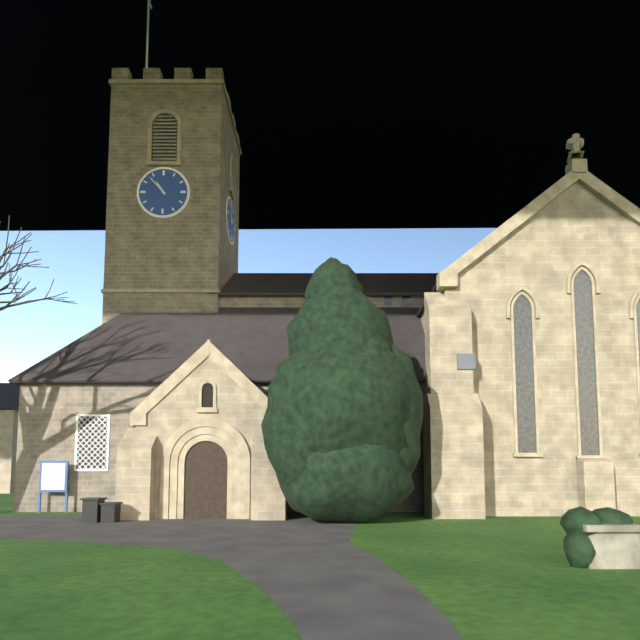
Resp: 10,53
